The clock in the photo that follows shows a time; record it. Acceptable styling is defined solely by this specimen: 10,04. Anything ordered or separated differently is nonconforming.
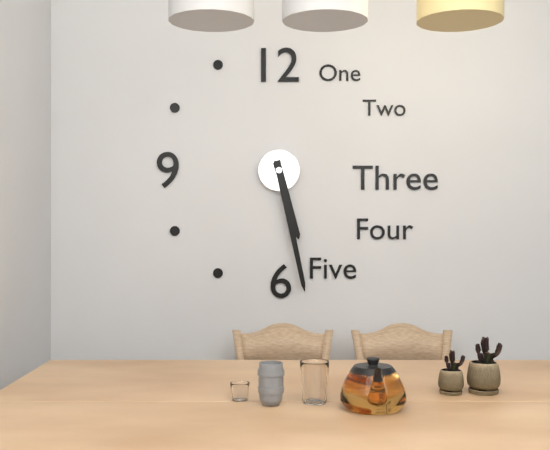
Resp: 5,28
